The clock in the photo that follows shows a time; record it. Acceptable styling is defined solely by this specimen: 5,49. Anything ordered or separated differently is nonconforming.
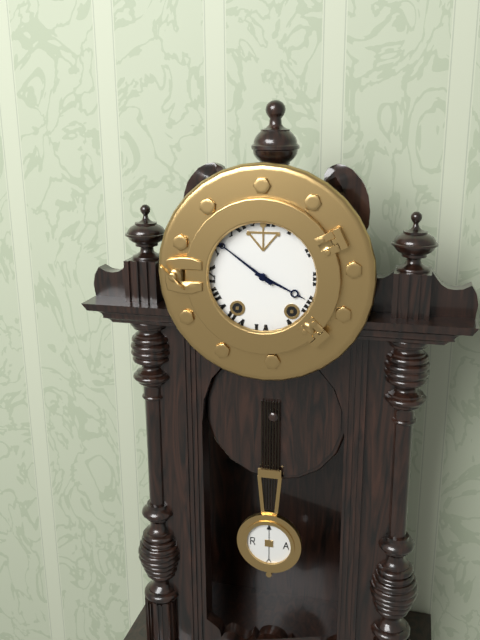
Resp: 3,51
